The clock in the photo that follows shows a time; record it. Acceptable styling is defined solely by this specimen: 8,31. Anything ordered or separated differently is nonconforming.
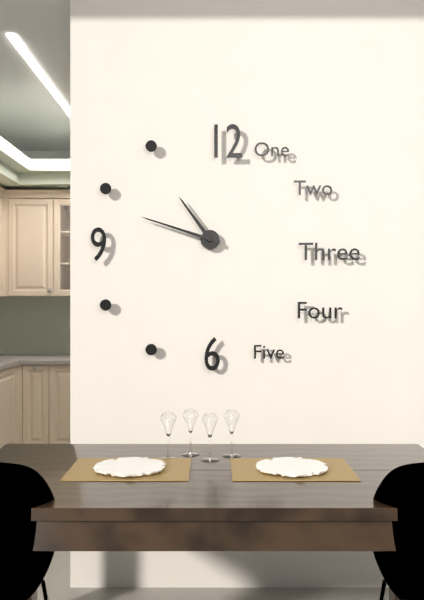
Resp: 10,48
